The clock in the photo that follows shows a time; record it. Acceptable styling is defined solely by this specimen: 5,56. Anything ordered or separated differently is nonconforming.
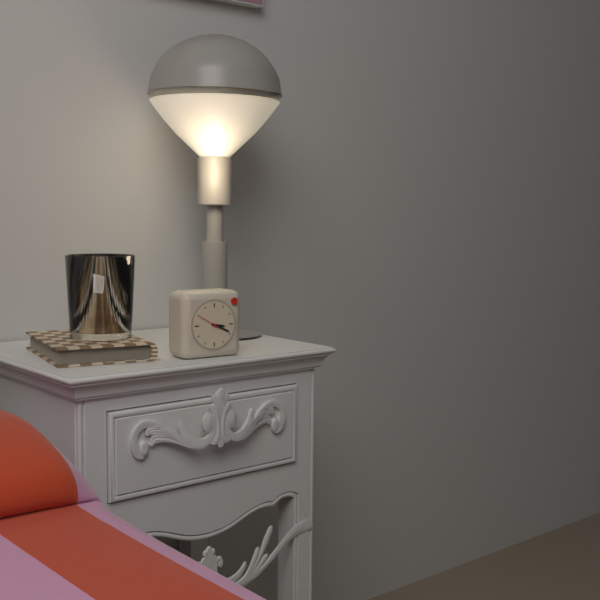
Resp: 3,19
